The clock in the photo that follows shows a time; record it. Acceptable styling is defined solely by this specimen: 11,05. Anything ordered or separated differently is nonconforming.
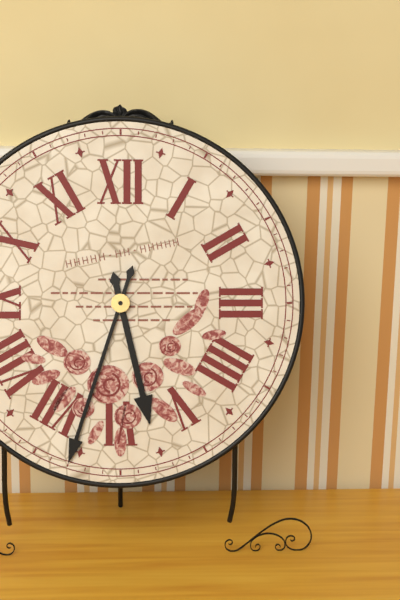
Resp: 5,33
